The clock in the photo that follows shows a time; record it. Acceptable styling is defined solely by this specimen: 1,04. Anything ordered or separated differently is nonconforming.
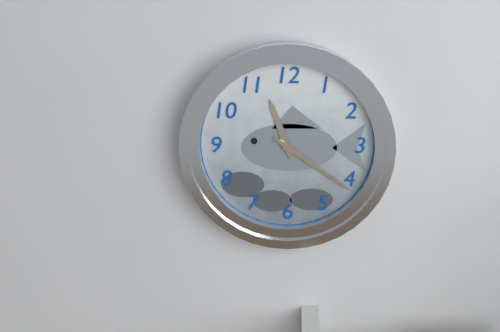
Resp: 11,21
